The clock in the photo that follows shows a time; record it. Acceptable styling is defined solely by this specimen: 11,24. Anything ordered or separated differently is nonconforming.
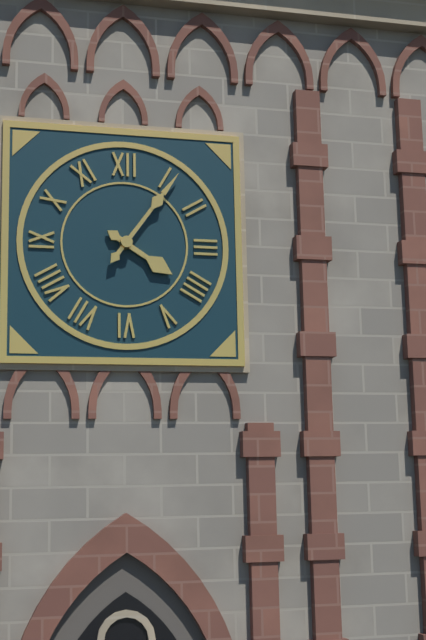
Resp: 4,06
